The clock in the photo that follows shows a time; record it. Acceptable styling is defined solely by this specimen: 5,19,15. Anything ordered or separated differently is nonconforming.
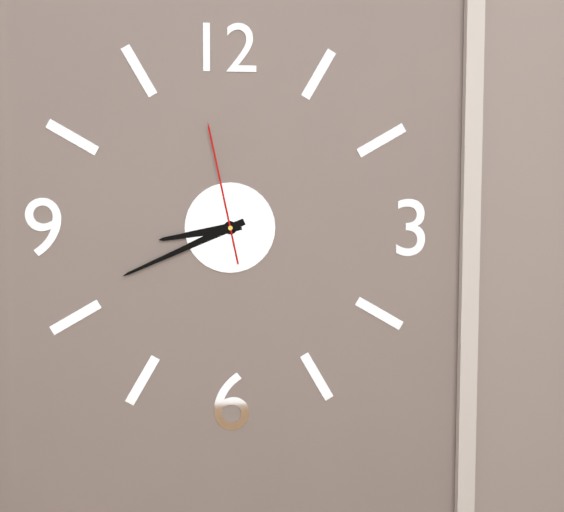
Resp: 8,41,58
